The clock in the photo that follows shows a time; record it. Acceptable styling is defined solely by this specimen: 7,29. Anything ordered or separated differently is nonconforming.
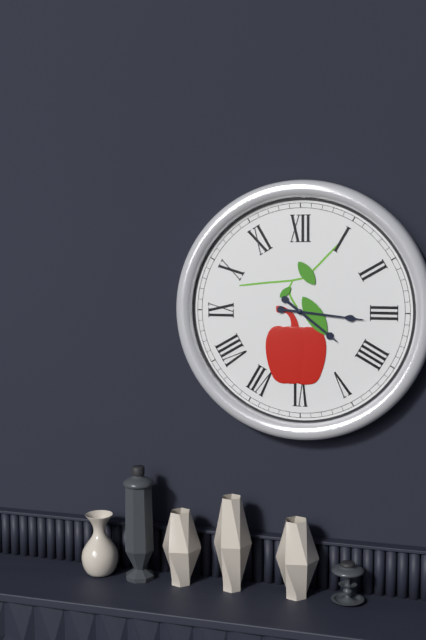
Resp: 4,16
